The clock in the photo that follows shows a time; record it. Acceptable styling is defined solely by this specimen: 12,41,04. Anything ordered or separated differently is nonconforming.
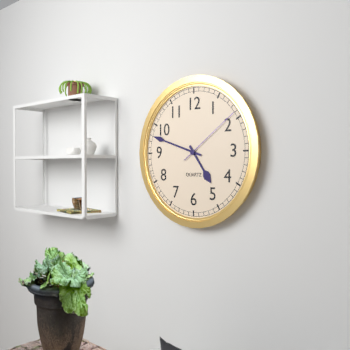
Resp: 4,48,09
